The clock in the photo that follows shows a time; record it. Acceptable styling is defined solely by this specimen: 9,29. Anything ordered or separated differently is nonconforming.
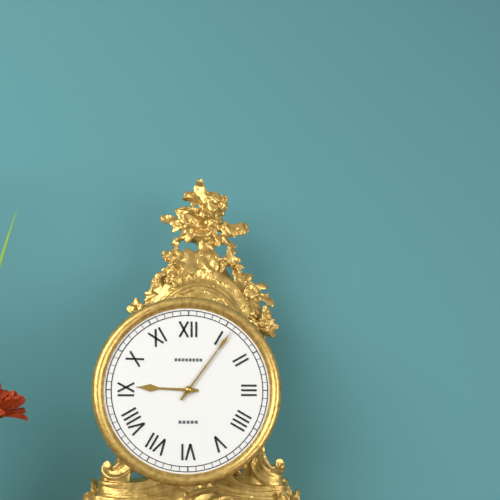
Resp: 9,06
